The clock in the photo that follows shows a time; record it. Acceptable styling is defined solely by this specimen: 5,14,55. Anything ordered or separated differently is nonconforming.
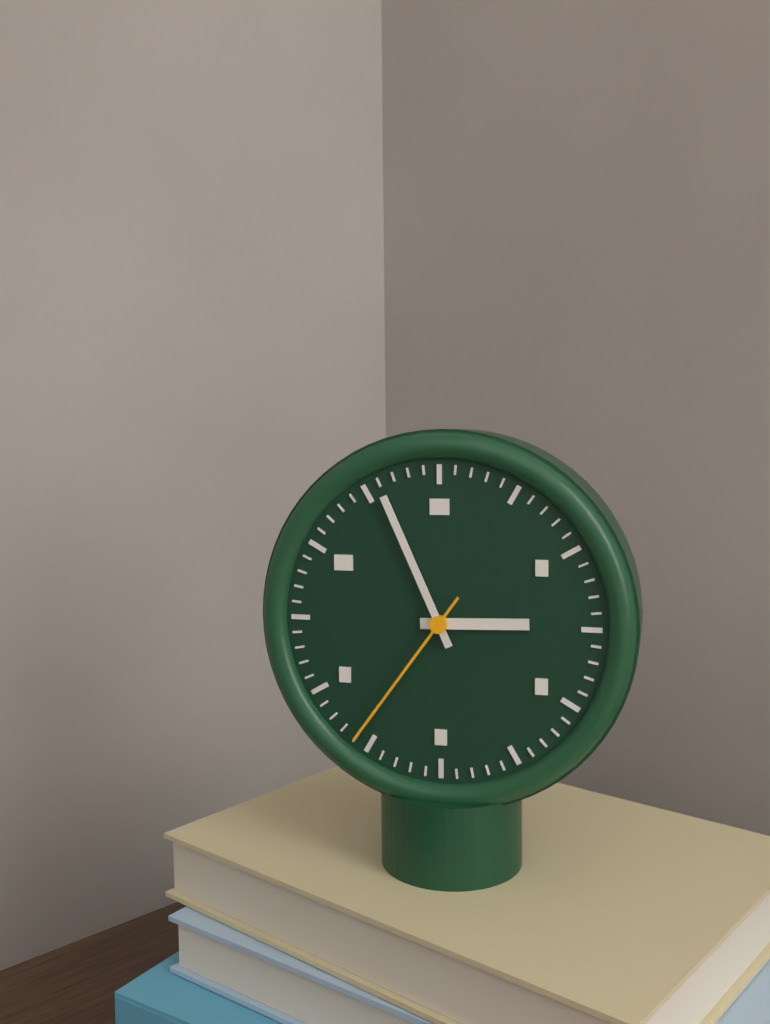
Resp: 2,56,36
